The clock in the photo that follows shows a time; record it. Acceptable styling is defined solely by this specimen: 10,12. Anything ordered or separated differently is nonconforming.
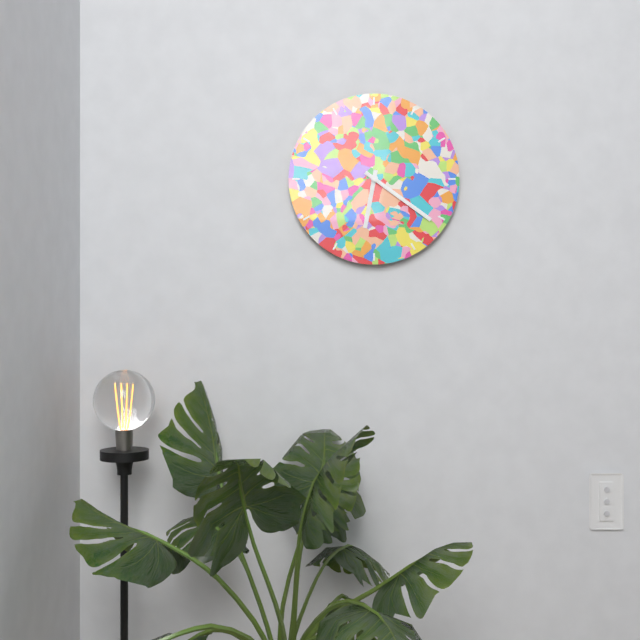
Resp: 6,21
